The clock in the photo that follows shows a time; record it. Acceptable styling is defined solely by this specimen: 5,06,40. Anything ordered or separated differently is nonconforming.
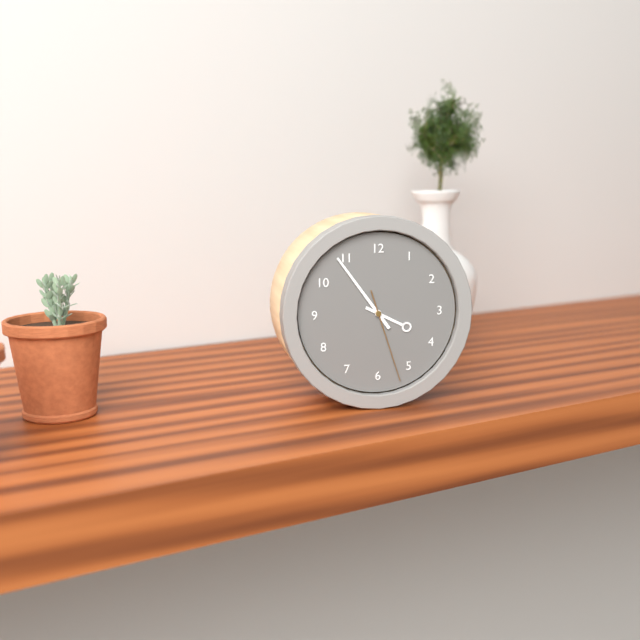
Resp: 3,54,27
